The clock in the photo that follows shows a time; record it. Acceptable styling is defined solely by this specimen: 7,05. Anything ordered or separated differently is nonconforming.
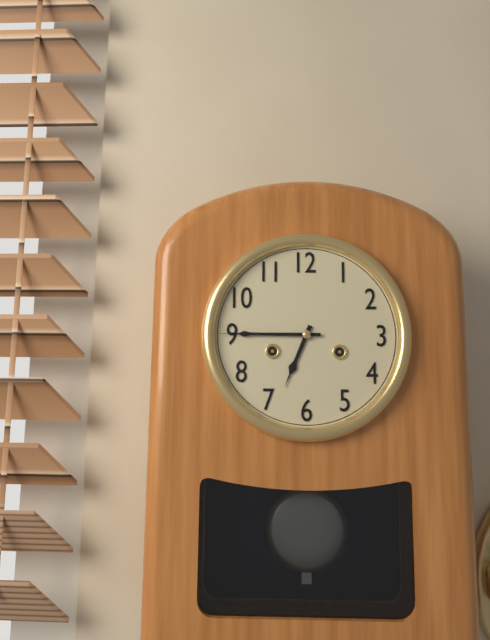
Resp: 6,45
